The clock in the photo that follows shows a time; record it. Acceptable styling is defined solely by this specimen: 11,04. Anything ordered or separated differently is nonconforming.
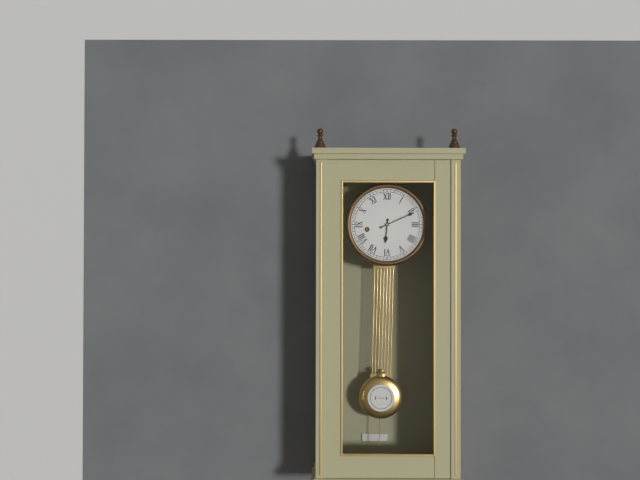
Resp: 6,11
